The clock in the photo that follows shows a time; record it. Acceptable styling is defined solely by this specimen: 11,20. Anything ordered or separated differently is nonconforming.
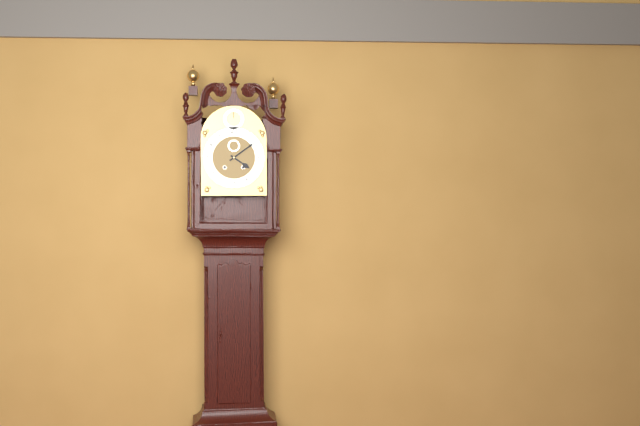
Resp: 4,09
